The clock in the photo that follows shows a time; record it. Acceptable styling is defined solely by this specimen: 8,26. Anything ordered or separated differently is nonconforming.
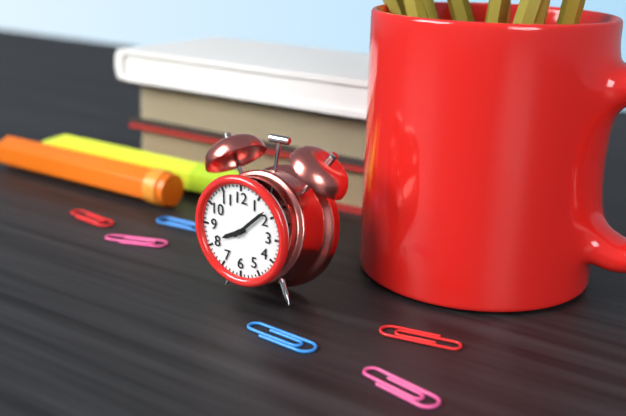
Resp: 8,08
